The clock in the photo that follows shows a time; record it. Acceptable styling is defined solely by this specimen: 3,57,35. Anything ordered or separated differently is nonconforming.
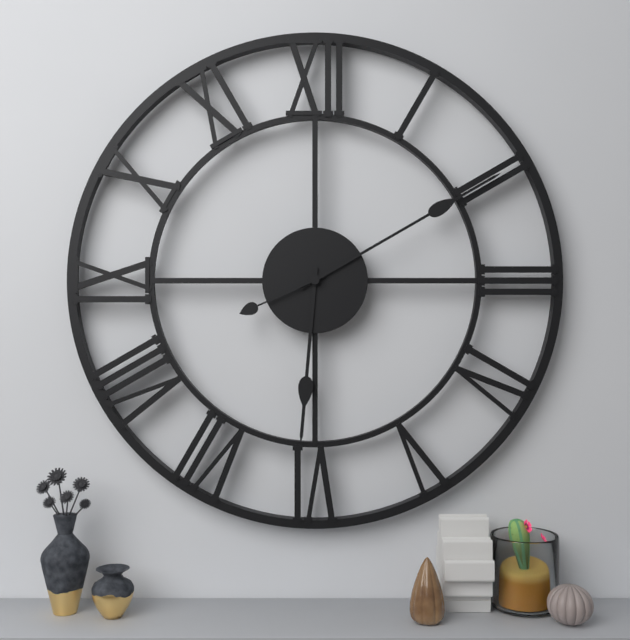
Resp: 6,10,41
